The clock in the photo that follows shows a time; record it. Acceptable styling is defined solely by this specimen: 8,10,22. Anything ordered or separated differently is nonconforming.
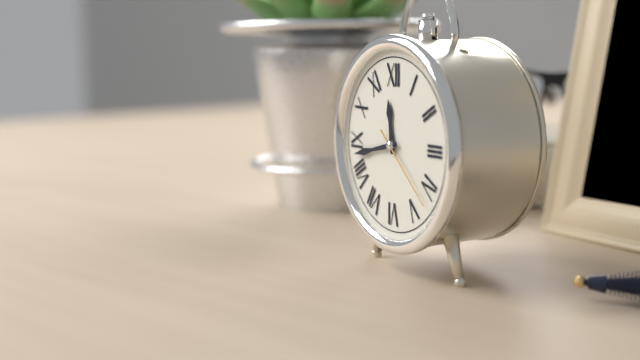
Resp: 11,43,22
